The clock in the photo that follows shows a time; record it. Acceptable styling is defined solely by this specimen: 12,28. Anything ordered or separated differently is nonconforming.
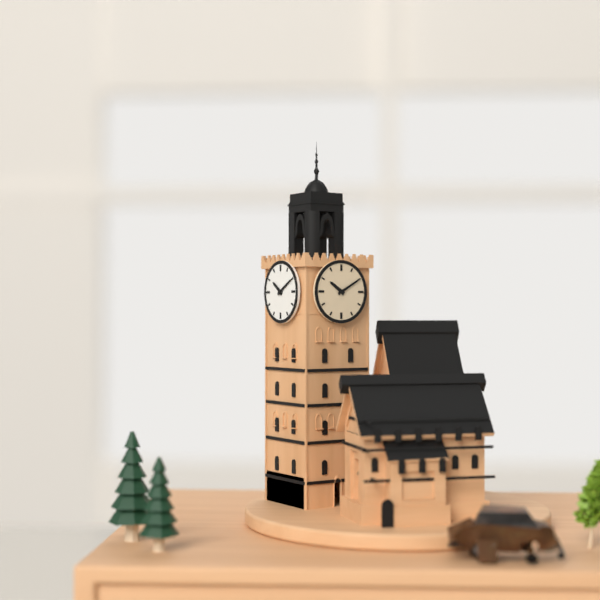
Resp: 10,10
